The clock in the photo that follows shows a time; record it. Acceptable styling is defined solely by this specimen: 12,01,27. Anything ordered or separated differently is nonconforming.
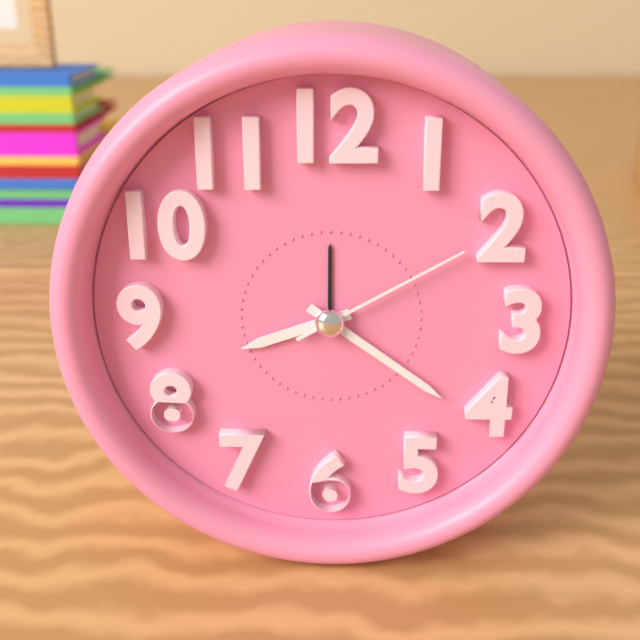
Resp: 8,21,10
